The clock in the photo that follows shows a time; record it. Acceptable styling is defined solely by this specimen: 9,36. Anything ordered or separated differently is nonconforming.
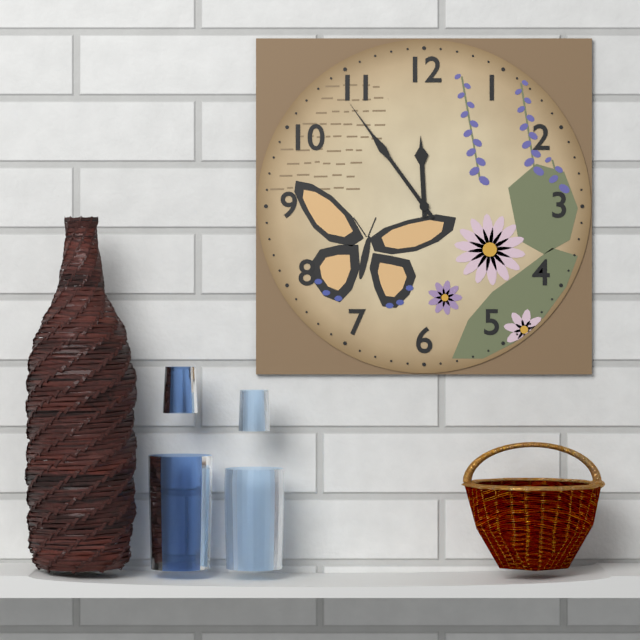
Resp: 11,54
